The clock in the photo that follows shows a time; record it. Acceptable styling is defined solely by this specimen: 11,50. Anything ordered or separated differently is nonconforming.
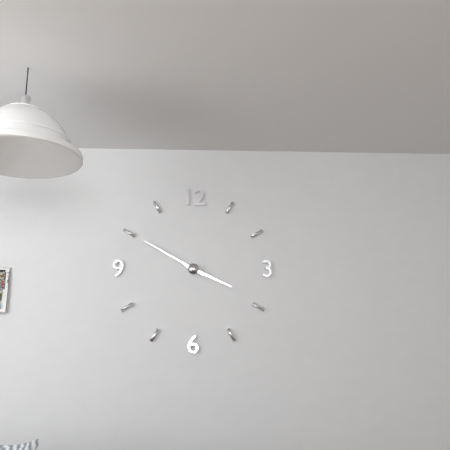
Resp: 3,50
